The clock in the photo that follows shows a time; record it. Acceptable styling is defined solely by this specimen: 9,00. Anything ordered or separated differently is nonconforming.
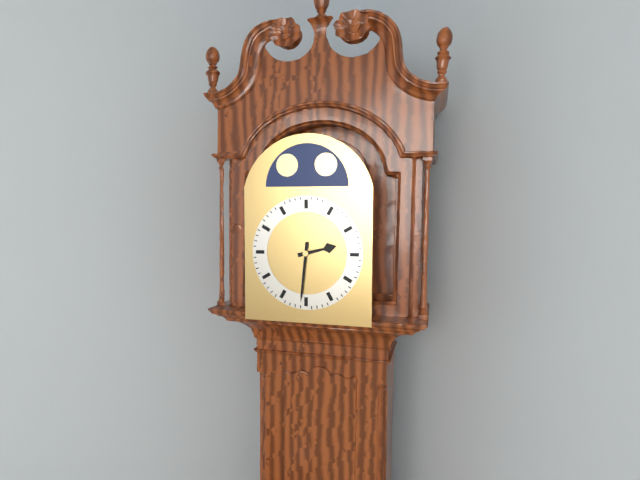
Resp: 2,31
